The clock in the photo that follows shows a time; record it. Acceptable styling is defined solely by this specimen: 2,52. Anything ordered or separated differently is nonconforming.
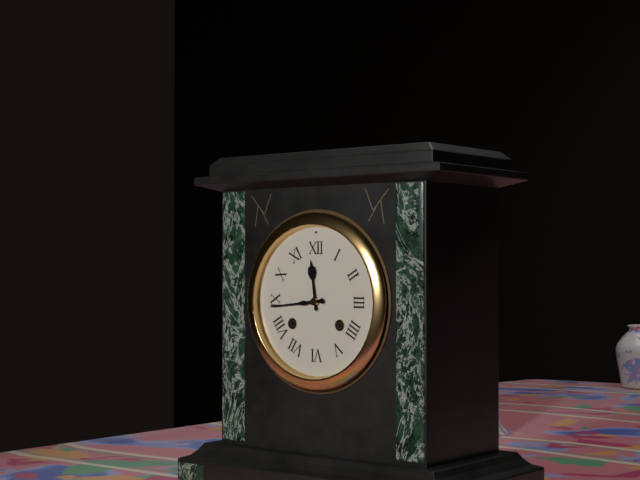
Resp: 11,44
